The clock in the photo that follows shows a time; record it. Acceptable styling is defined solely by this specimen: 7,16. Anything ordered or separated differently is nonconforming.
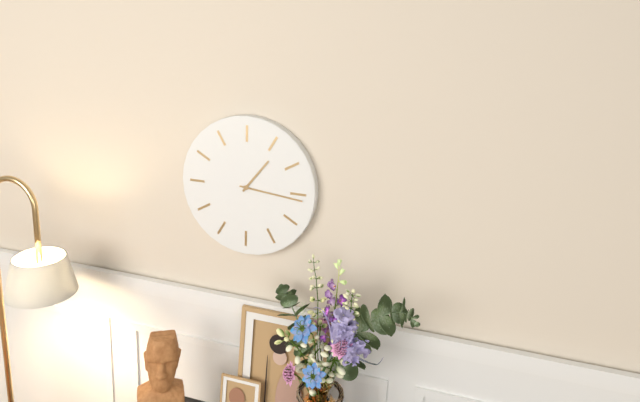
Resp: 1,16
